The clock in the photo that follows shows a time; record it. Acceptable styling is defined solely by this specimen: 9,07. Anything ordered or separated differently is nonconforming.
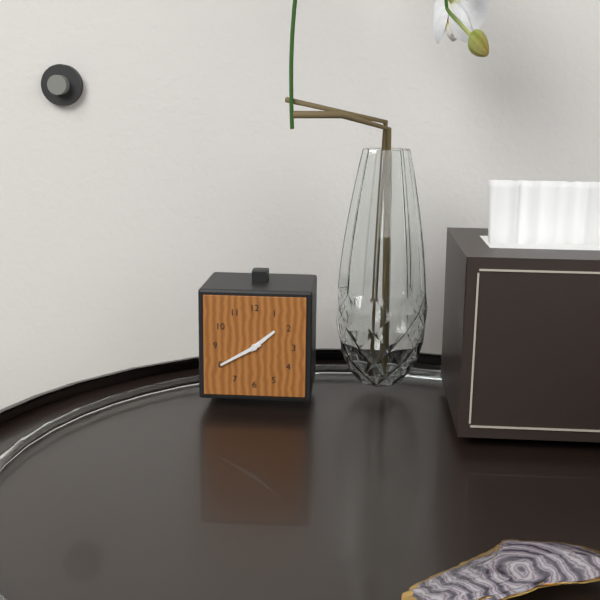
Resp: 1,40
